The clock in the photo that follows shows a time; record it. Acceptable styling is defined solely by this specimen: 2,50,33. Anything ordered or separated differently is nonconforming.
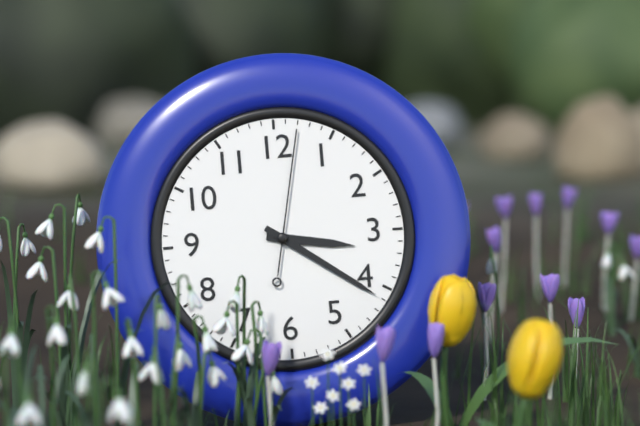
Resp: 3,21,02
